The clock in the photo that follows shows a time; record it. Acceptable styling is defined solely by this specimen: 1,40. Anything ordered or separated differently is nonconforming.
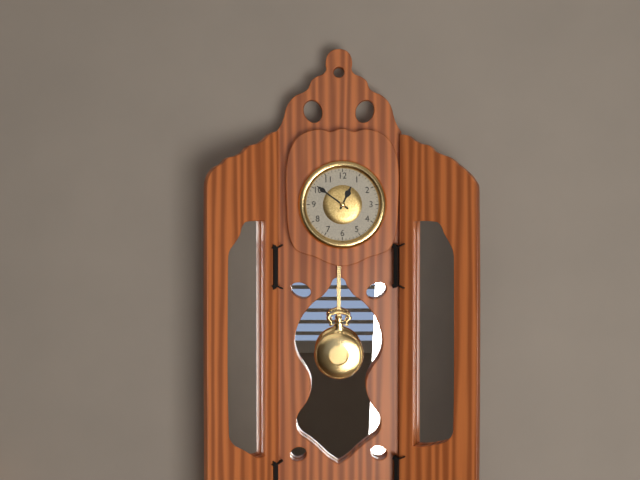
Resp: 12,51
